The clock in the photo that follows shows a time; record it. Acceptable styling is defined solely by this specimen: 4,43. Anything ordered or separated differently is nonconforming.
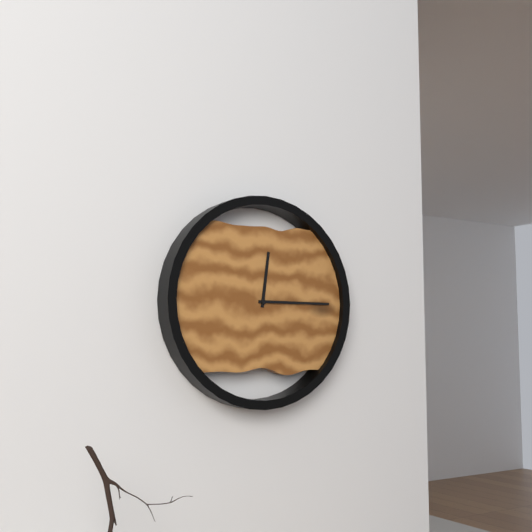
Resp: 12,15
